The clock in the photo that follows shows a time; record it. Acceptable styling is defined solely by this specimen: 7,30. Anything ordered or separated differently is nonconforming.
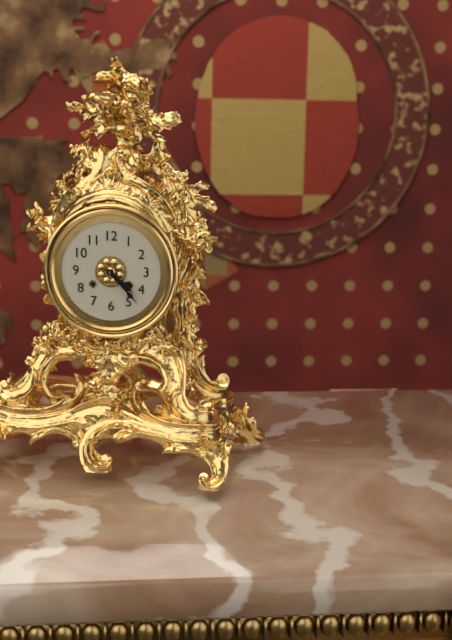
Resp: 4,23
